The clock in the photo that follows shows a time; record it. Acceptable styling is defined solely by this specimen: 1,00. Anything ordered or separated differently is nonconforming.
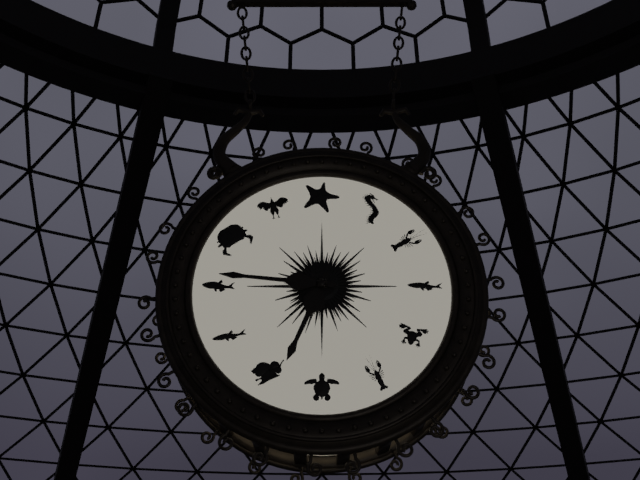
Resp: 6,46
